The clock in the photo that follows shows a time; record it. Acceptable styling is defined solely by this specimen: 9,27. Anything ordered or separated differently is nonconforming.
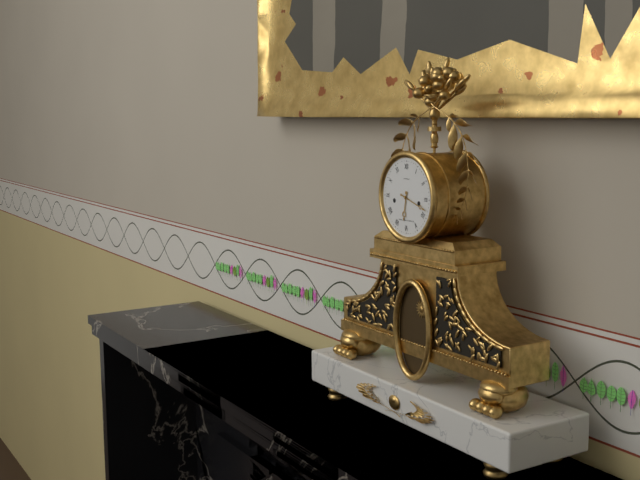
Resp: 6,18
